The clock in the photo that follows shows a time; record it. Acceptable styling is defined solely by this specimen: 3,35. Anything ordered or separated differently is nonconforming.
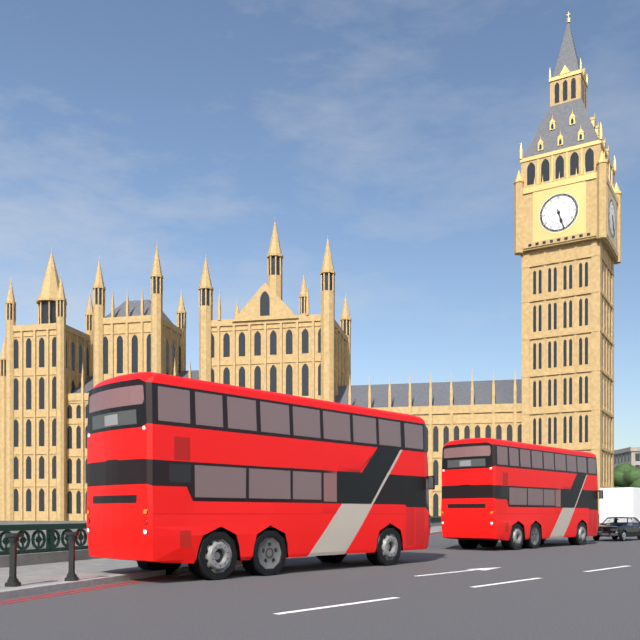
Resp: 5,27
